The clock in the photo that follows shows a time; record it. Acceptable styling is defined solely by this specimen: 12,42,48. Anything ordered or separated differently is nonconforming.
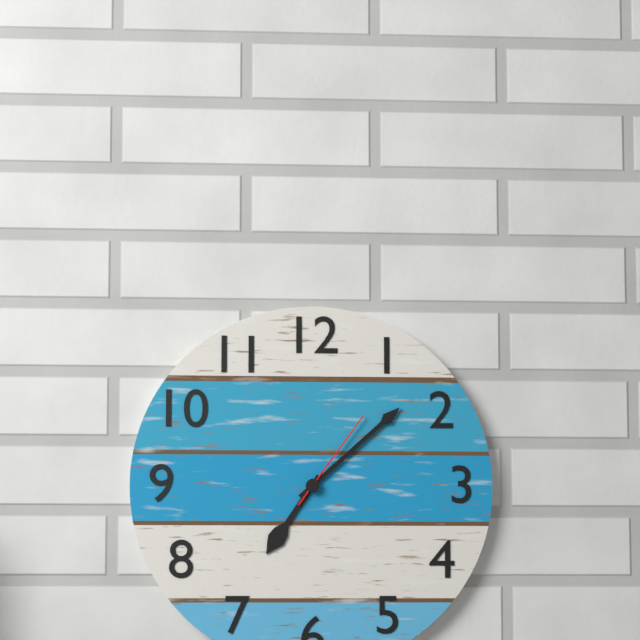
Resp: 7,08,06
